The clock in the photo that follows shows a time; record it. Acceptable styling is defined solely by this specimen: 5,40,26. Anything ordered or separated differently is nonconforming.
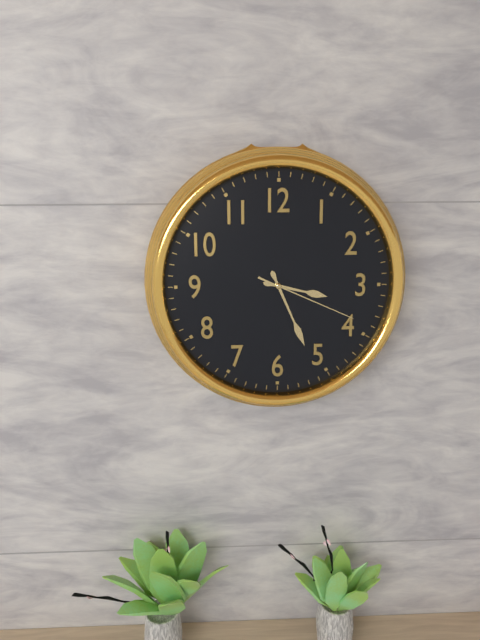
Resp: 3,26,19
